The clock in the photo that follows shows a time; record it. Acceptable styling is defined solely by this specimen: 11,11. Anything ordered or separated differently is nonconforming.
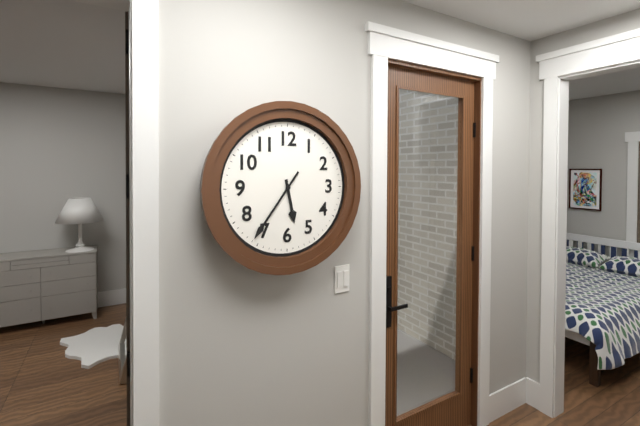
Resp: 5,36
